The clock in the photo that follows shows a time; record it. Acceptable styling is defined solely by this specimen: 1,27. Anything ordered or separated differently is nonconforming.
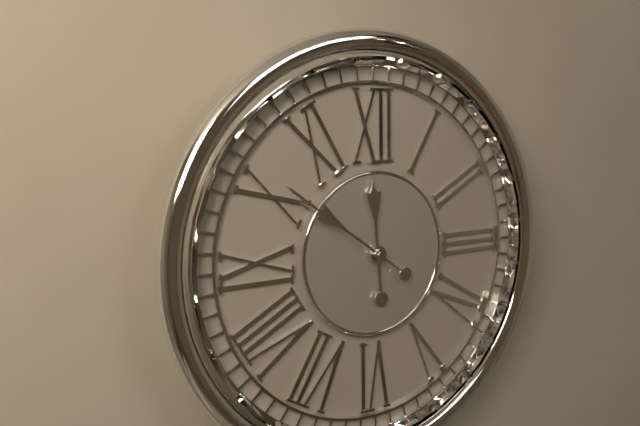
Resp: 11,51
